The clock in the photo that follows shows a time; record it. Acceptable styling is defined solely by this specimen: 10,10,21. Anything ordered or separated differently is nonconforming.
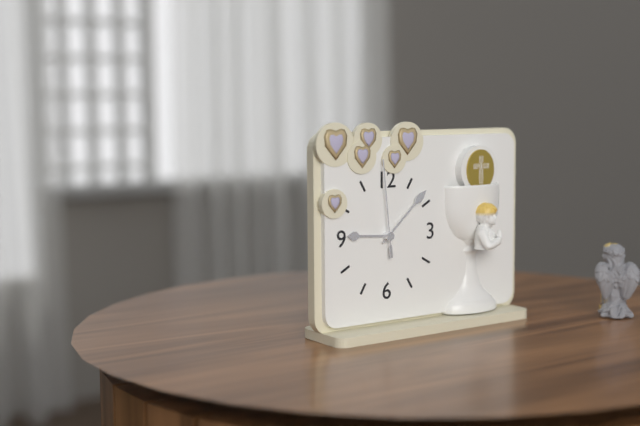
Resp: 9,08,59
